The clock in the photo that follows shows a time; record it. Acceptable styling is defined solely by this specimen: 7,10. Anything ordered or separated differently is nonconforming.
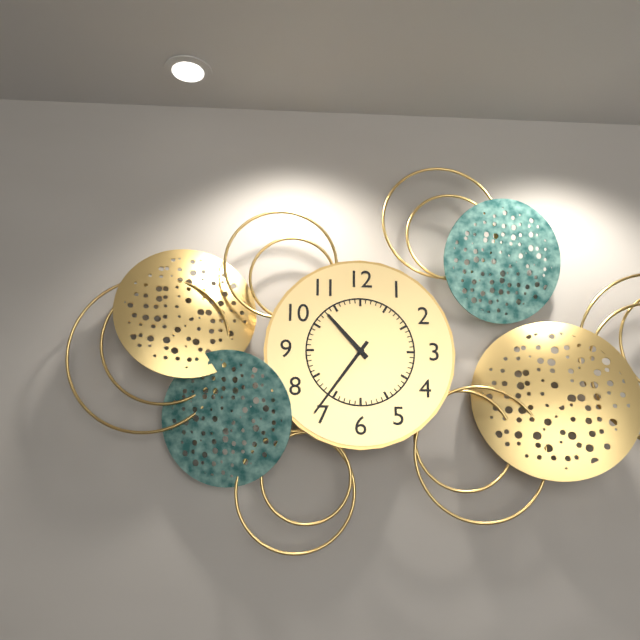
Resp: 10,36
